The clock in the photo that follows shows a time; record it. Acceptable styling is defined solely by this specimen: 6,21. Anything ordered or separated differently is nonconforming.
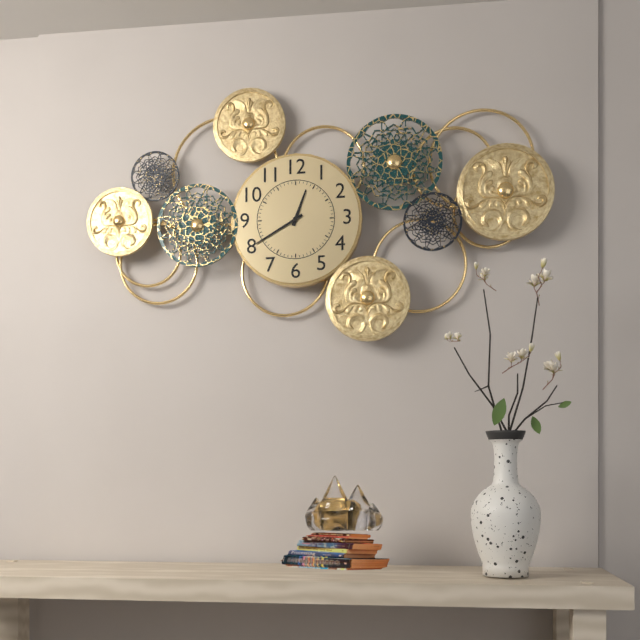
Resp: 12,40
